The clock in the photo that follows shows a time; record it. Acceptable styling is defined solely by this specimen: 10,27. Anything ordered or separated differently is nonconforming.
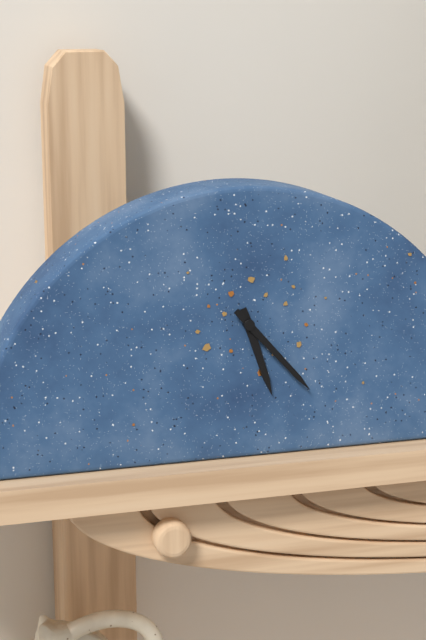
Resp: 5,23
